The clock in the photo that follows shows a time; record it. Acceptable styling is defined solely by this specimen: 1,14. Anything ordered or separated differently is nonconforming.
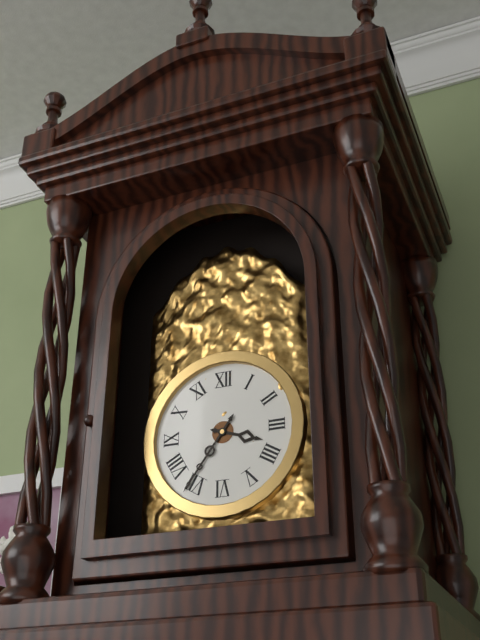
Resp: 3,36
